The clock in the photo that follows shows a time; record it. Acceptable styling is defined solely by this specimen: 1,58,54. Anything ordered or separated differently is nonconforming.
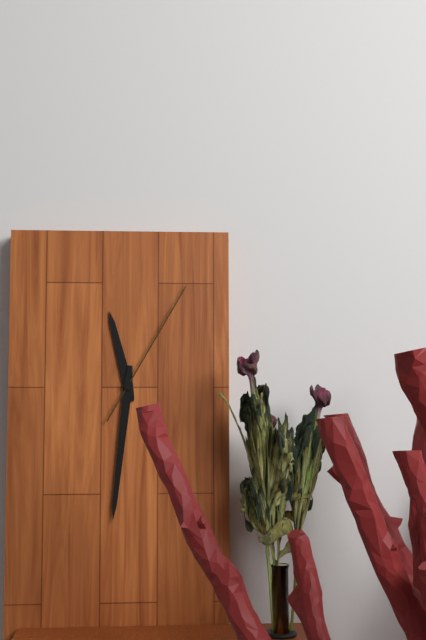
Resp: 11,31,05
